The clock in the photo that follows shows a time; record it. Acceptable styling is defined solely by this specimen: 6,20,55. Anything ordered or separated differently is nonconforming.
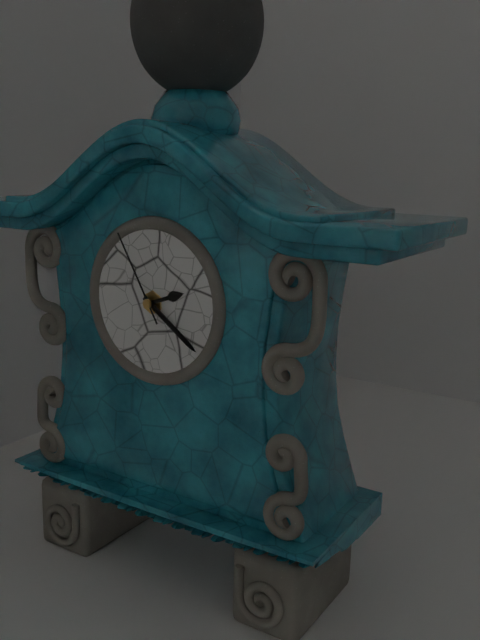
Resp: 2,21,55
